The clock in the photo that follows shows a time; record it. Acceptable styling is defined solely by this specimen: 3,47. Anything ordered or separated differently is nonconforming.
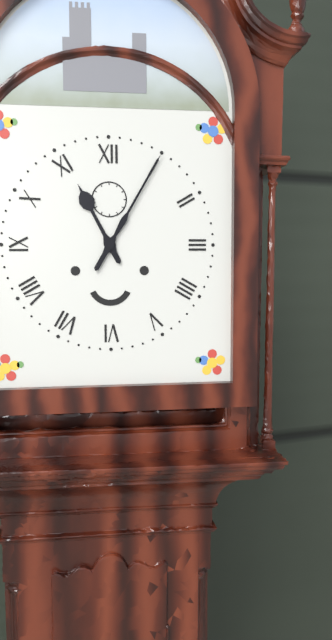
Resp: 11,05
